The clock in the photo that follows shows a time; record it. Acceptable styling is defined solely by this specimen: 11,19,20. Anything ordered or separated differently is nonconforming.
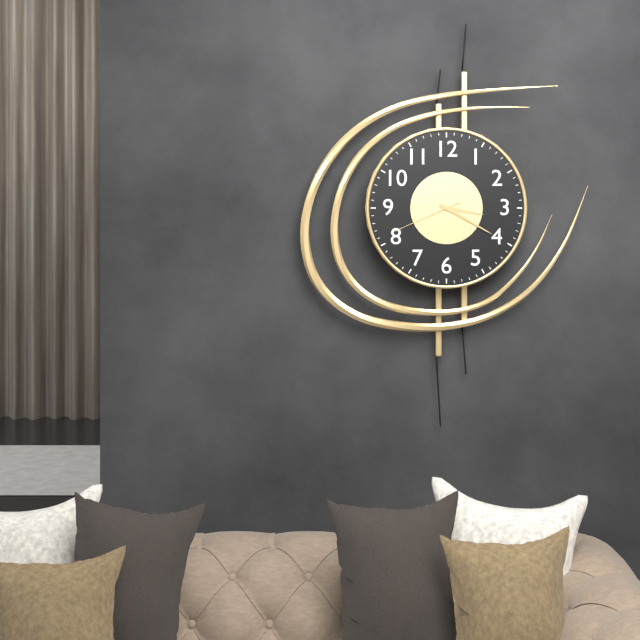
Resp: 3,20,41
